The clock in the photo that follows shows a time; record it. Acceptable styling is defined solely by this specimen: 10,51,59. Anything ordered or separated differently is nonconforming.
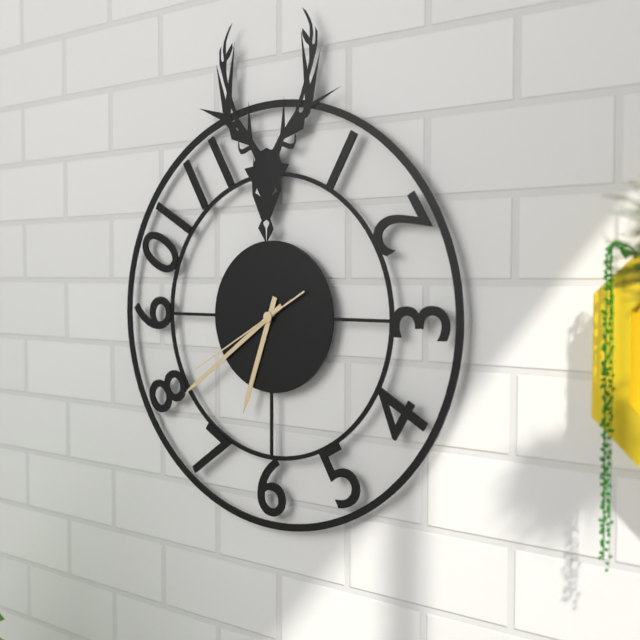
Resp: 6,39,40
